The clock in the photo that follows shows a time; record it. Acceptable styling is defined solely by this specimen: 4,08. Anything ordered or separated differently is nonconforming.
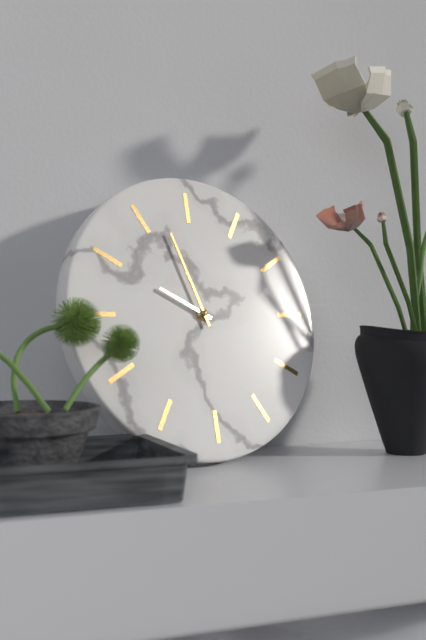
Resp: 9,57
